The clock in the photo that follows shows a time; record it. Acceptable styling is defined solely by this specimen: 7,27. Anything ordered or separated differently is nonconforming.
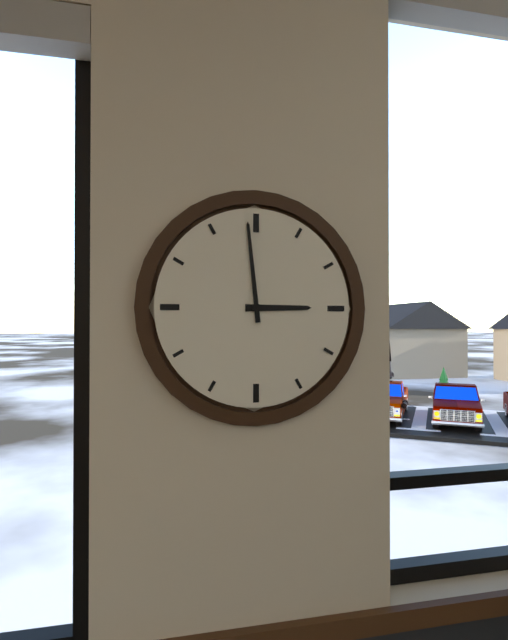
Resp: 2,59
